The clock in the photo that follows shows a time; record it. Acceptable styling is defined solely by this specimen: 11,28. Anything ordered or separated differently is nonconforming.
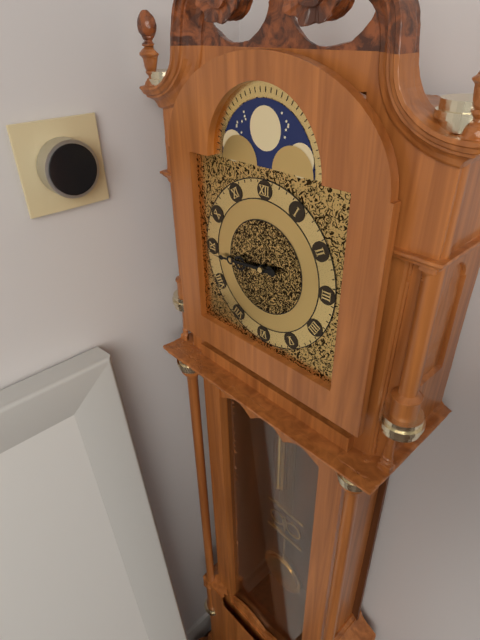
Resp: 8,44
